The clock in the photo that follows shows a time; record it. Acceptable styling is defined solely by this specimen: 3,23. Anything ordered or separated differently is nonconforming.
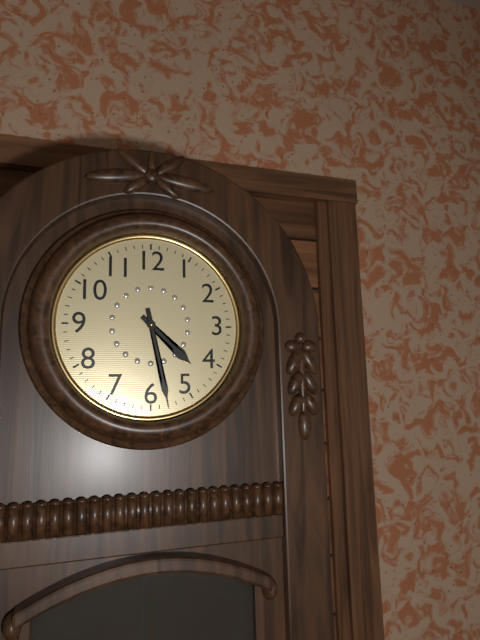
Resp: 4,28
